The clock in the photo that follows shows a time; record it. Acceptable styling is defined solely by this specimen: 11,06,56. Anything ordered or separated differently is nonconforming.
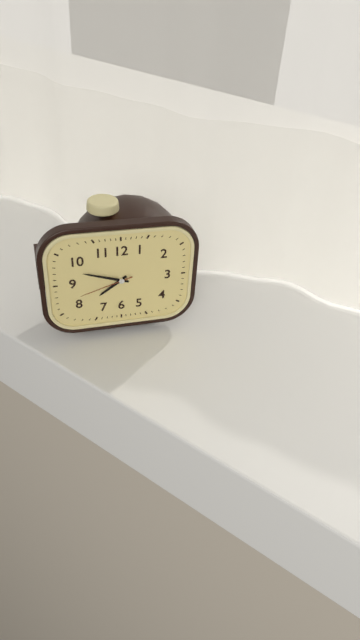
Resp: 7,48,42
